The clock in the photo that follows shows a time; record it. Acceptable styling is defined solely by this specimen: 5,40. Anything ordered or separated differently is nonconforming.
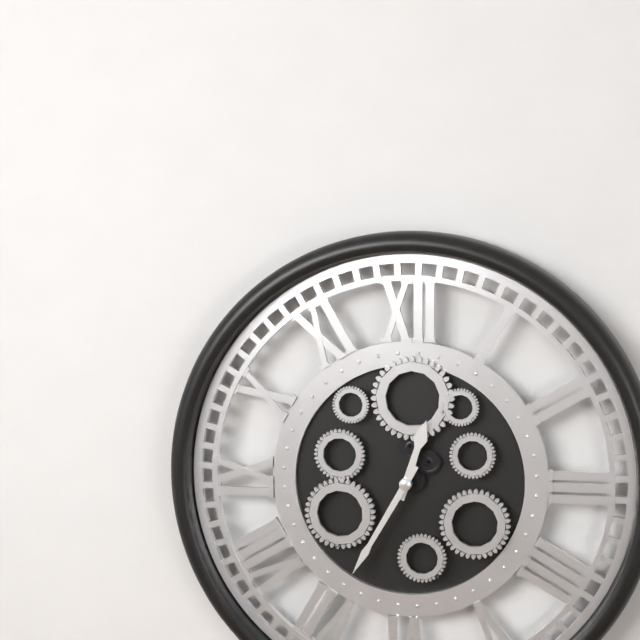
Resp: 12,35
